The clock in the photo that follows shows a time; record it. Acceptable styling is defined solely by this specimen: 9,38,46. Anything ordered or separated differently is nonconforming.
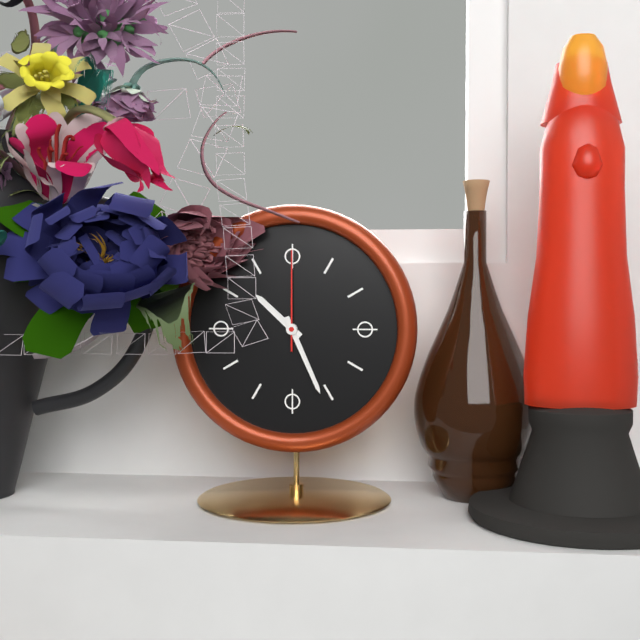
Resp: 10,26,00
